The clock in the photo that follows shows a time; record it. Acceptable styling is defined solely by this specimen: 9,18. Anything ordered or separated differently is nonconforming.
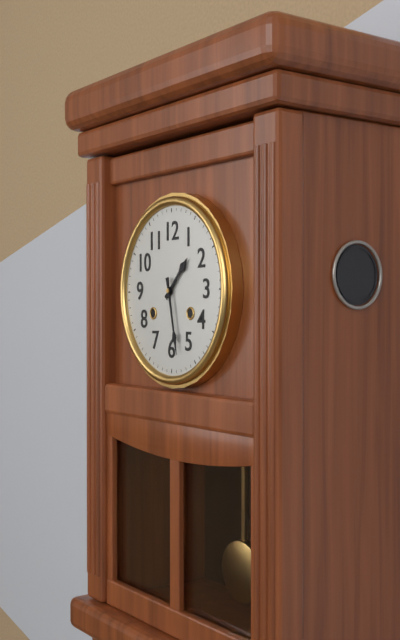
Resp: 1,28
